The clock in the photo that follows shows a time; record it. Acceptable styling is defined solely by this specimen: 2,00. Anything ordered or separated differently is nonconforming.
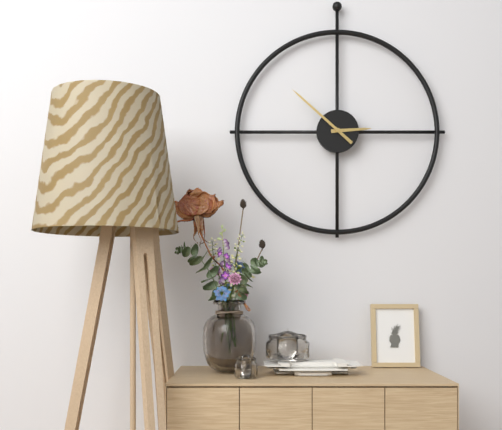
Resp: 2,52
